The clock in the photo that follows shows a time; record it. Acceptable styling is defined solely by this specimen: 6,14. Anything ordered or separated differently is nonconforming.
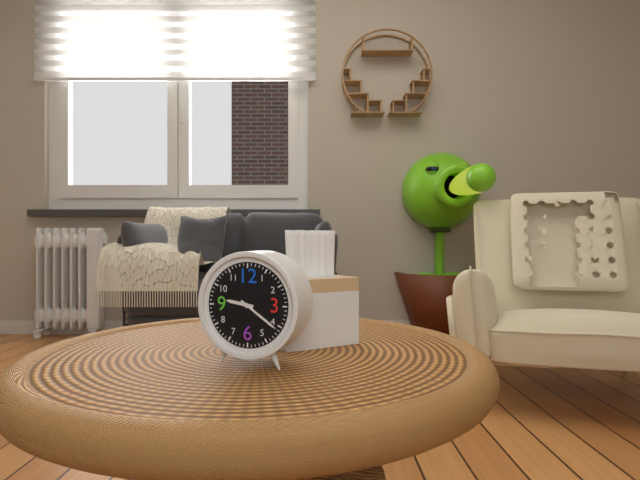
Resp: 9,21
